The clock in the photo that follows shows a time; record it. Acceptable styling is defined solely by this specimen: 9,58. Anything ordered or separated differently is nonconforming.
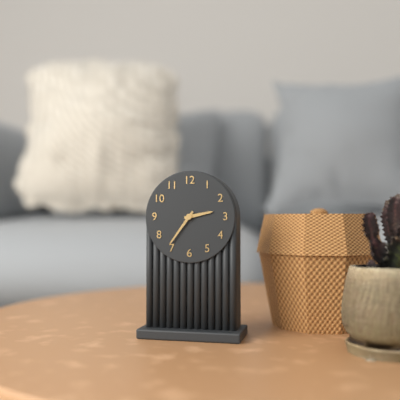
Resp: 2,36
